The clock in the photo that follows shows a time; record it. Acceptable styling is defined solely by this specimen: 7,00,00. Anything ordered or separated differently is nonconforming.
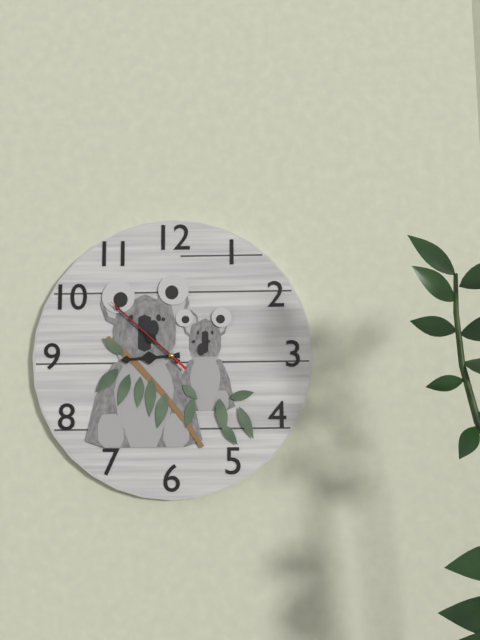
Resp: 8,52,52
